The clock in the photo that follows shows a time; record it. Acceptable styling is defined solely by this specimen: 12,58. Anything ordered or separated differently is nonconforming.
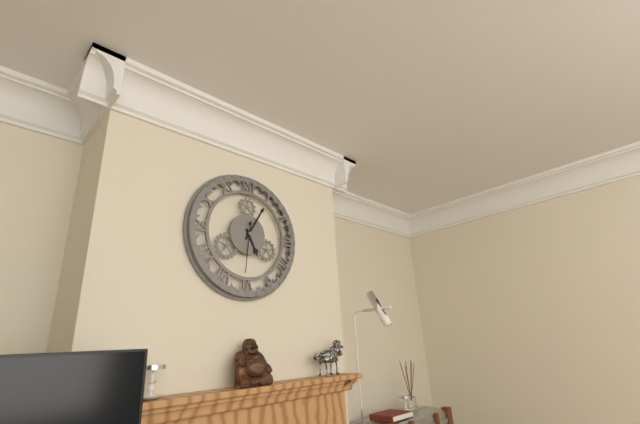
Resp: 5,05
